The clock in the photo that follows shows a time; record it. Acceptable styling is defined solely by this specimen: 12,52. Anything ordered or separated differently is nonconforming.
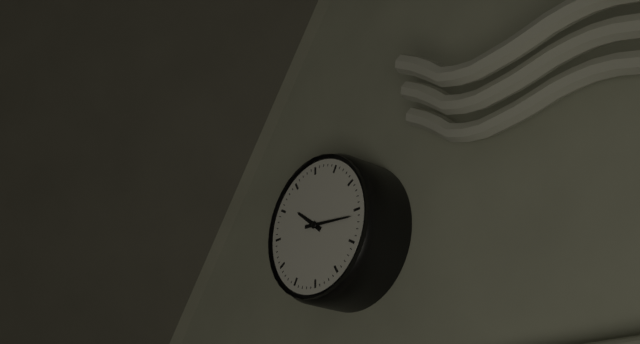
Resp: 10,16
